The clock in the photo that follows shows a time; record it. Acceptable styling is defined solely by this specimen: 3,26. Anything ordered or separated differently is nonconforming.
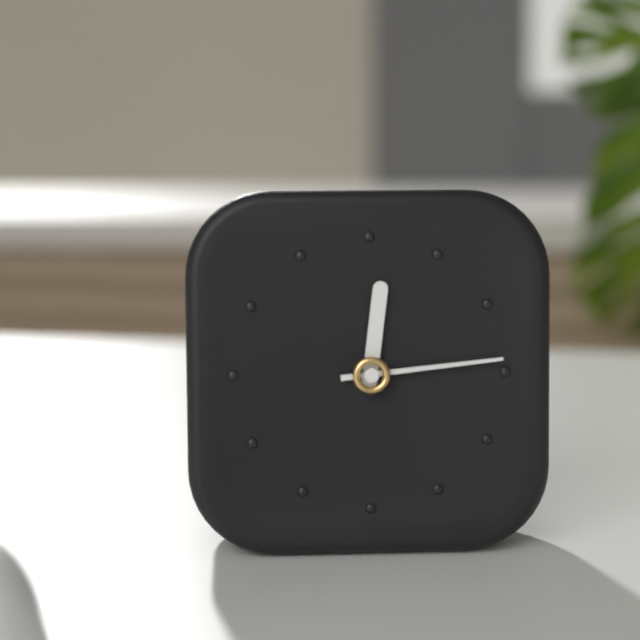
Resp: 12,14
